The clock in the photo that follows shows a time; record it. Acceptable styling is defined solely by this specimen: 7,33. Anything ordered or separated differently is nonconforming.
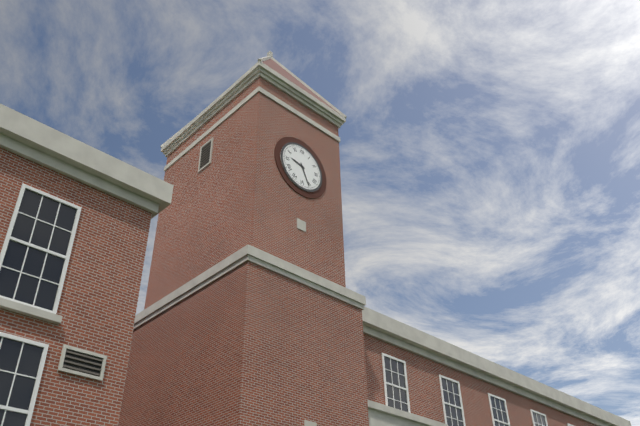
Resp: 9,26
